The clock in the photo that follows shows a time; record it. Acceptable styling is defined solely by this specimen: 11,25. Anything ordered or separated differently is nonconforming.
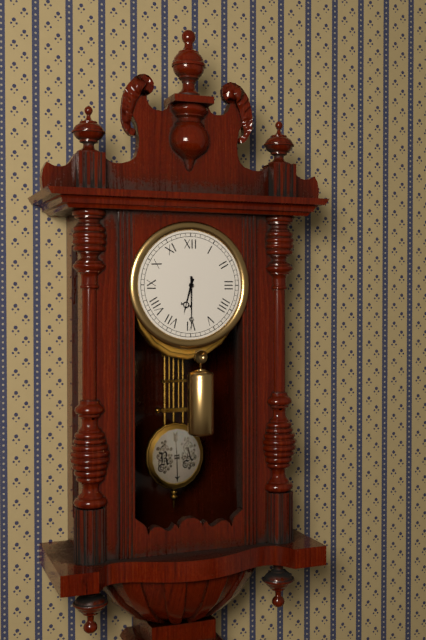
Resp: 6,30
